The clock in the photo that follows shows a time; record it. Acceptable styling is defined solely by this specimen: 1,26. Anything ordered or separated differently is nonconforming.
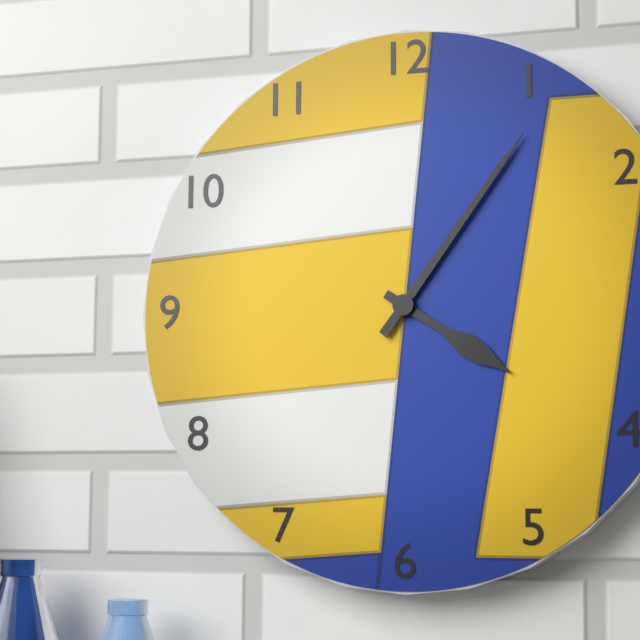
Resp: 4,06
